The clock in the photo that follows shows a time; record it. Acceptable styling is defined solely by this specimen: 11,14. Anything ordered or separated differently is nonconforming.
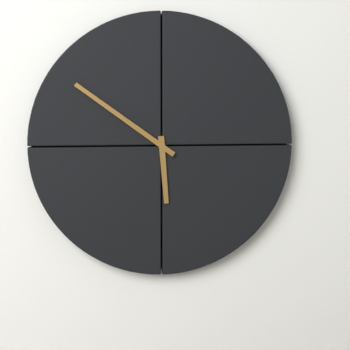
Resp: 5,51
